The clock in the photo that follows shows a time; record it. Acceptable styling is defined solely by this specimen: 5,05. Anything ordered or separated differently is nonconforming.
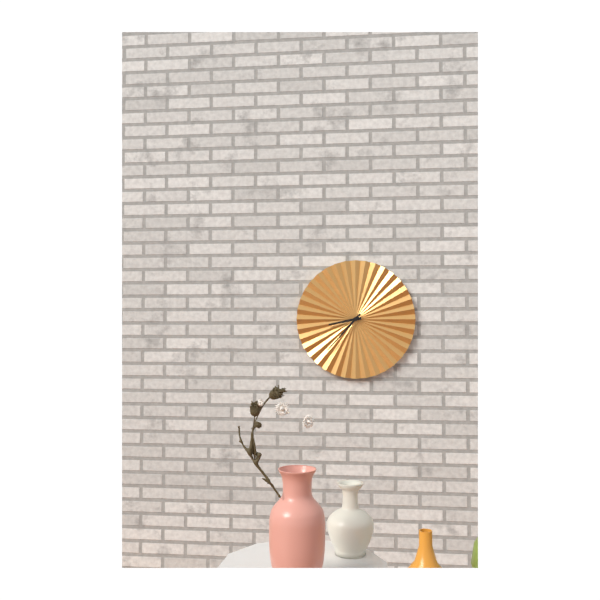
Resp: 8,37
